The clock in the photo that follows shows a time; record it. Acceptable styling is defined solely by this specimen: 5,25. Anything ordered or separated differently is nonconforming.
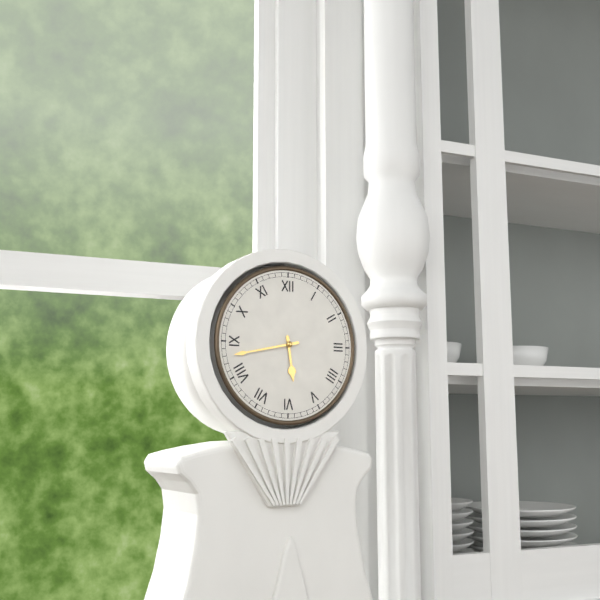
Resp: 5,43
